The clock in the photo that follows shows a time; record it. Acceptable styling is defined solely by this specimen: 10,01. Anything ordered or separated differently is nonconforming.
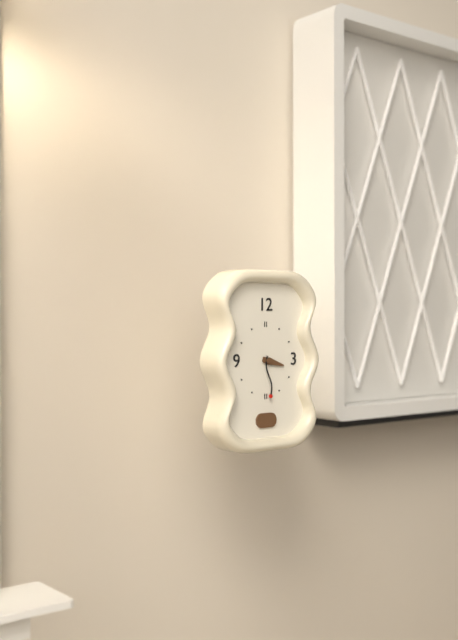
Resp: 3,29
